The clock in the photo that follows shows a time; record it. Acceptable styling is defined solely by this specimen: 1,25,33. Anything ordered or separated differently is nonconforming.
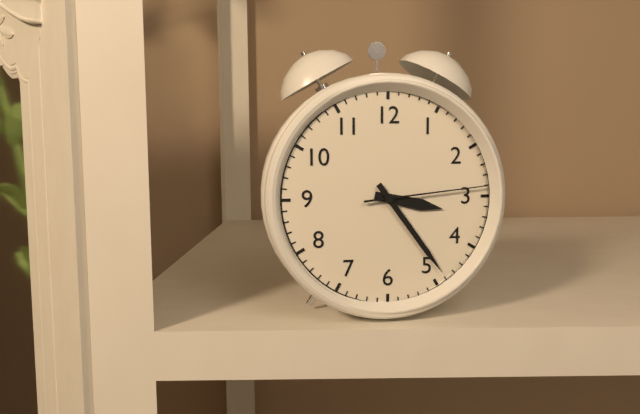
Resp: 3,24,14
